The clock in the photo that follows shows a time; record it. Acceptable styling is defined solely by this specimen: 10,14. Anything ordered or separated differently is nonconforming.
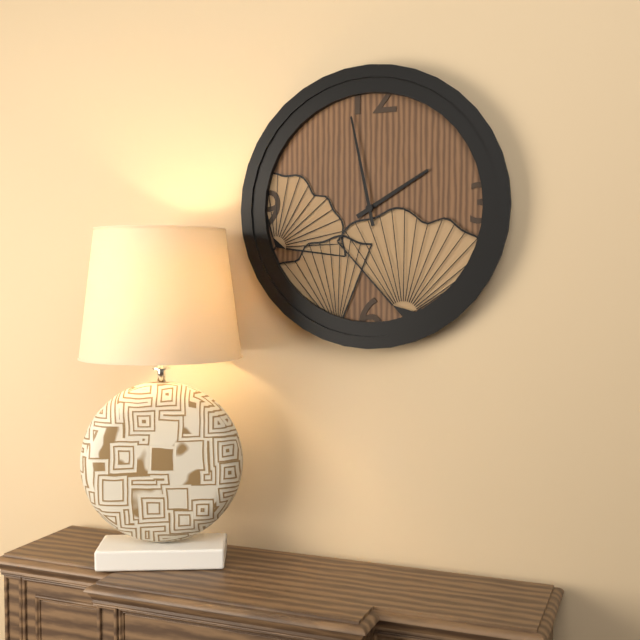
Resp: 1,58
